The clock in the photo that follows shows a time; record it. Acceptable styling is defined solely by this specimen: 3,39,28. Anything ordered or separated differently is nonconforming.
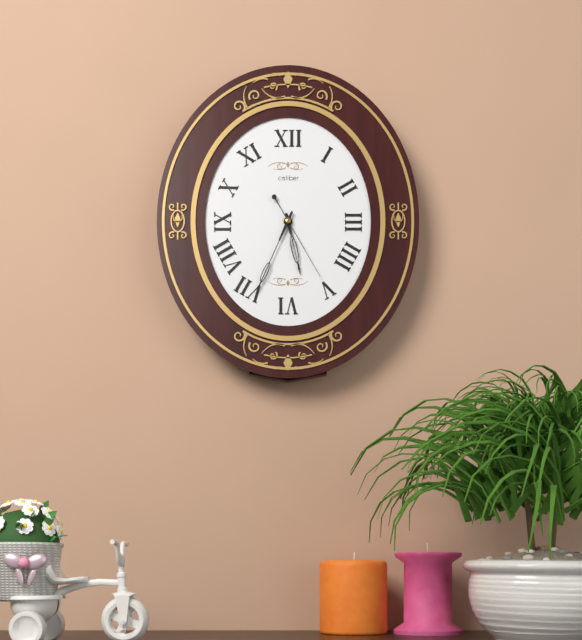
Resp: 5,34,25
